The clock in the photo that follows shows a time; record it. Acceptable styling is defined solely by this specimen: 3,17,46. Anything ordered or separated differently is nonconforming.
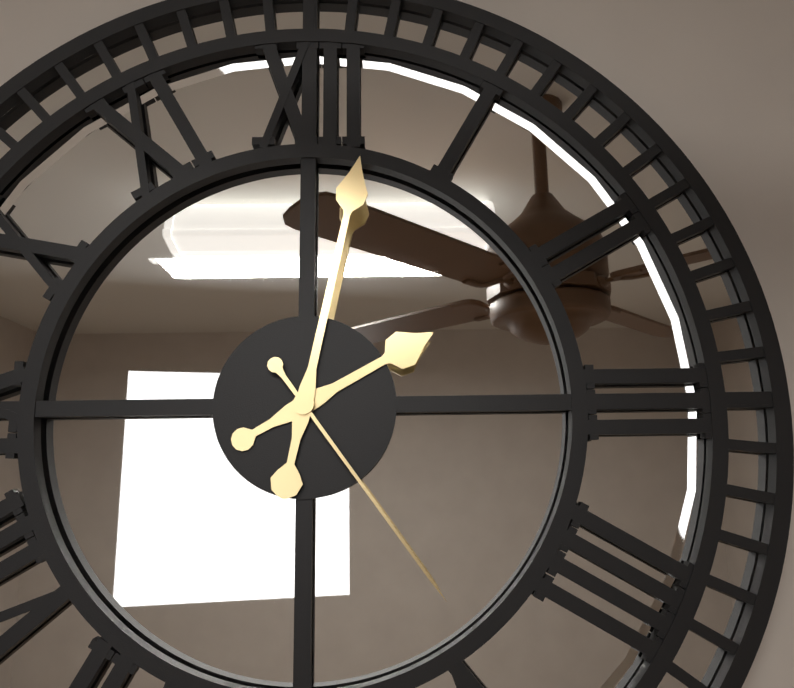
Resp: 2,02,24
